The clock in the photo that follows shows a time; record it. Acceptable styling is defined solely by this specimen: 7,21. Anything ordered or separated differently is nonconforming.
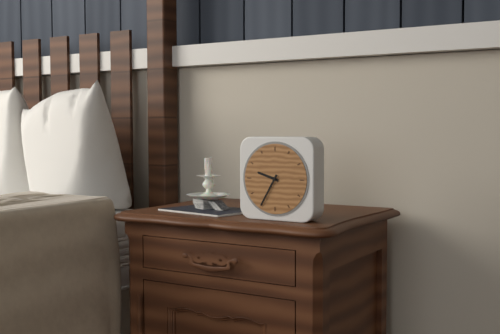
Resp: 9,35
